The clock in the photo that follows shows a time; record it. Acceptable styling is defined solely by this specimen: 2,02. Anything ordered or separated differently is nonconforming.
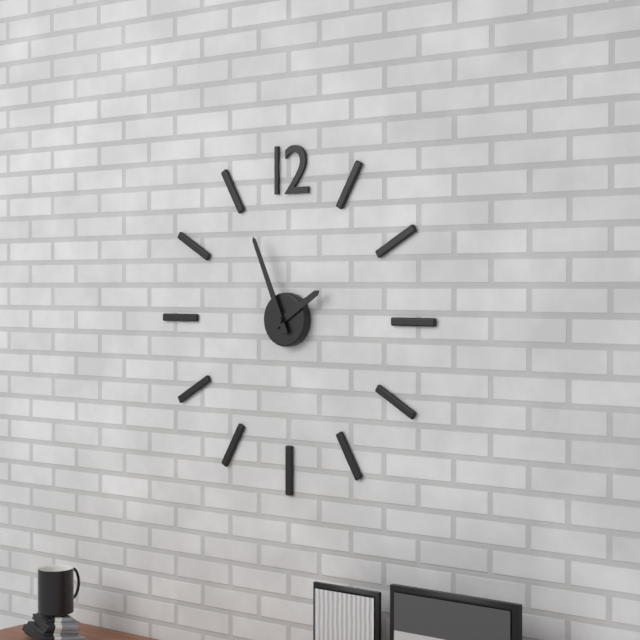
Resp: 1,56
